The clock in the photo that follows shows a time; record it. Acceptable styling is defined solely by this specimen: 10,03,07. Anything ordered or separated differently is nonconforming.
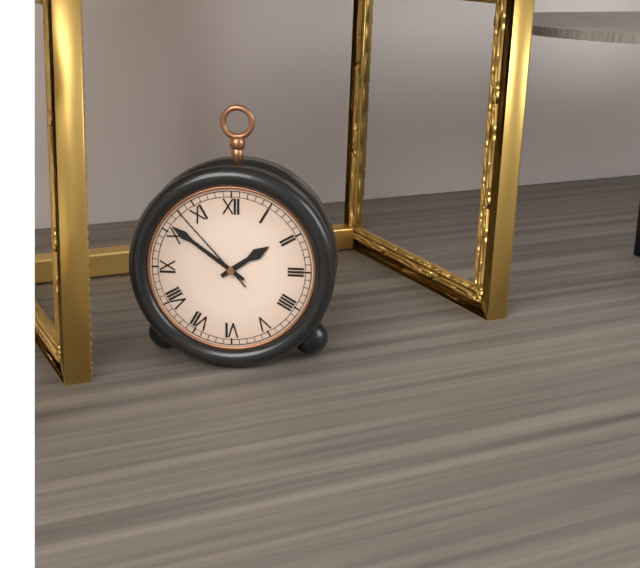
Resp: 1,51,53
